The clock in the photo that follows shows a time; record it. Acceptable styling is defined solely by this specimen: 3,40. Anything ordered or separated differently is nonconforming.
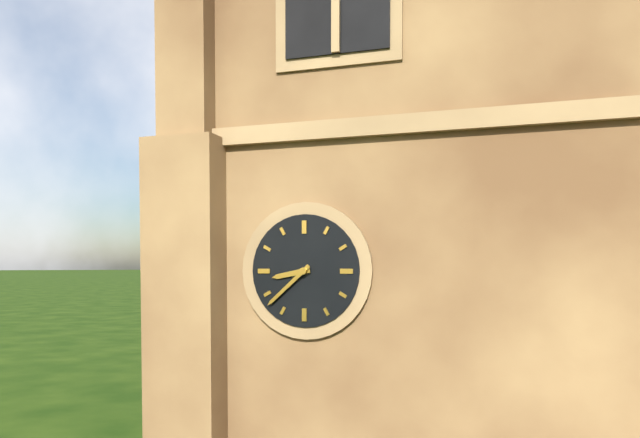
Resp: 8,38
